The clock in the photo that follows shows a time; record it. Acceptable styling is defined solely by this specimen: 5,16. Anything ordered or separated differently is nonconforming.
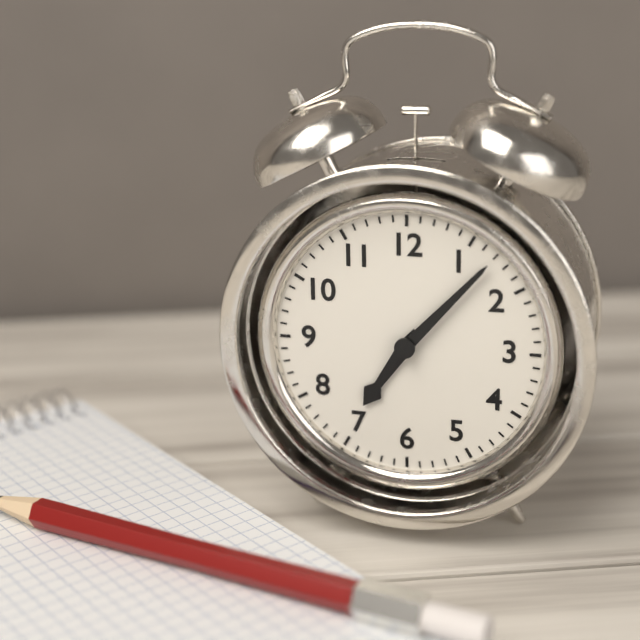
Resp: 7,07
